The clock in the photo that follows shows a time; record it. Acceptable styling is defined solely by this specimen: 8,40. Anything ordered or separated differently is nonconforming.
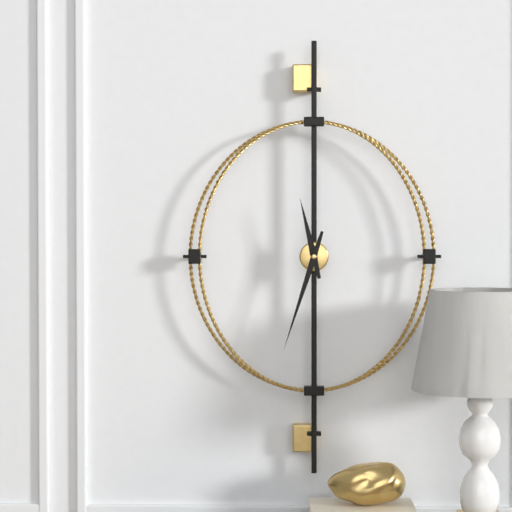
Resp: 11,33
